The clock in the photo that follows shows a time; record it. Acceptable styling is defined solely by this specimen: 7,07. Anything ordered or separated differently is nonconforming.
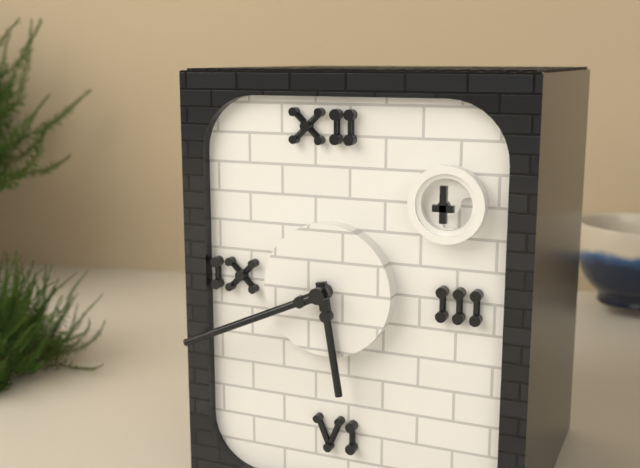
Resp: 5,41
